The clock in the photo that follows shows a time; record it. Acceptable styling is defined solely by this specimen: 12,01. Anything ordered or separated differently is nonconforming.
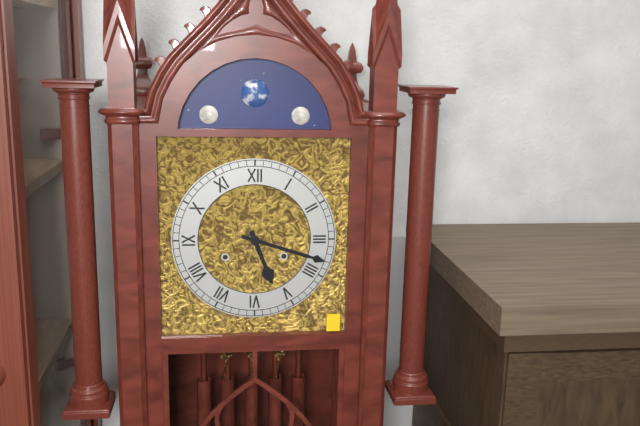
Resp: 5,18
